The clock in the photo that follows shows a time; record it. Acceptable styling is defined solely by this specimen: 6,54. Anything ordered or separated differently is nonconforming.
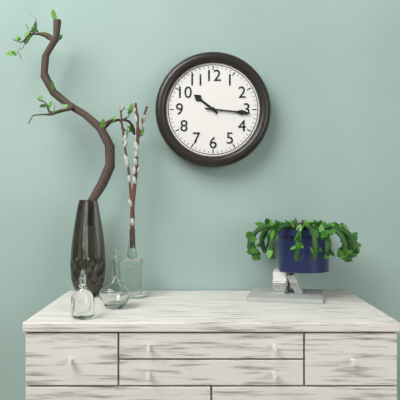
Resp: 10,16
